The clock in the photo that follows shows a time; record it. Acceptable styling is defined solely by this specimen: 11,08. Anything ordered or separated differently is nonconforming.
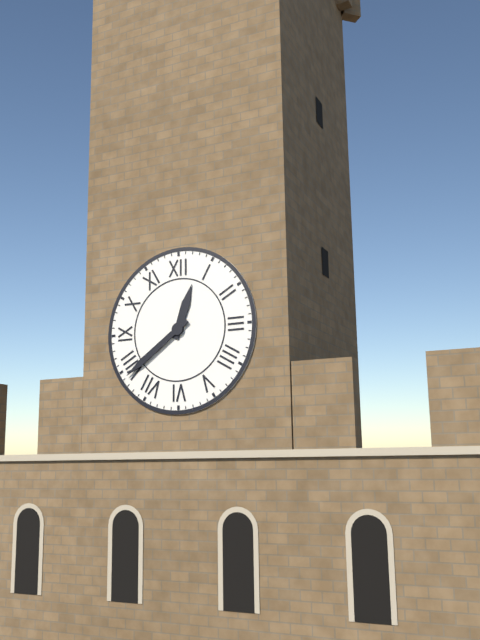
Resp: 12,39
